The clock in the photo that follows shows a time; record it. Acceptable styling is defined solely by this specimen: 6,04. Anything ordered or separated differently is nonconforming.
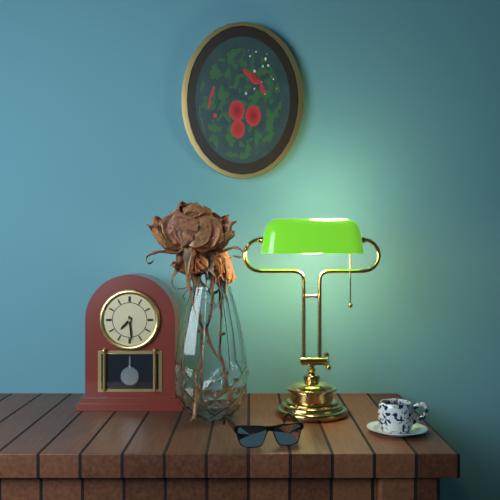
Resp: 7,29
